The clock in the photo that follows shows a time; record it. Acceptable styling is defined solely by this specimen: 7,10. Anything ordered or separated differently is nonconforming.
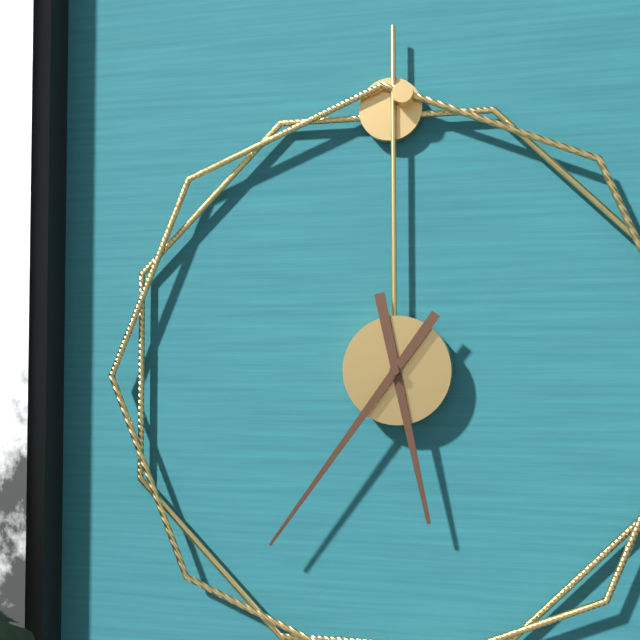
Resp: 5,36
